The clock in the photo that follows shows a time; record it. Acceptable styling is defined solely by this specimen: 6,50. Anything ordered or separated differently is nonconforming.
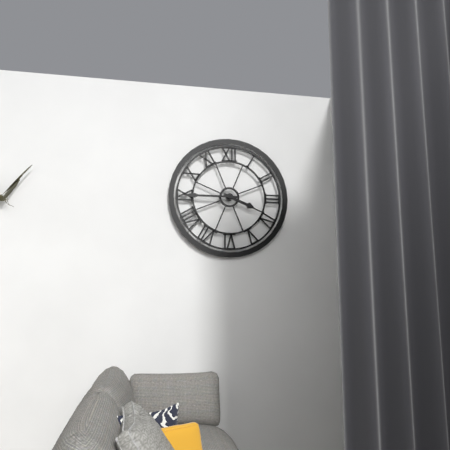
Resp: 3,45
